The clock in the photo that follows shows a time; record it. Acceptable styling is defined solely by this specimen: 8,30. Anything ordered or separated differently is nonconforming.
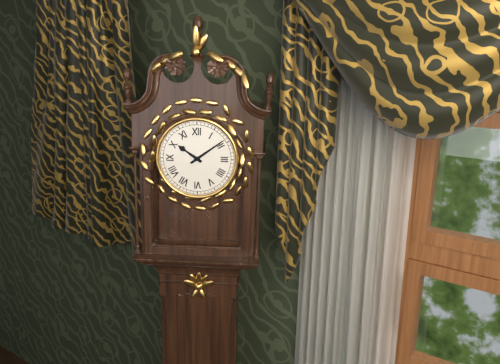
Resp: 10,09
